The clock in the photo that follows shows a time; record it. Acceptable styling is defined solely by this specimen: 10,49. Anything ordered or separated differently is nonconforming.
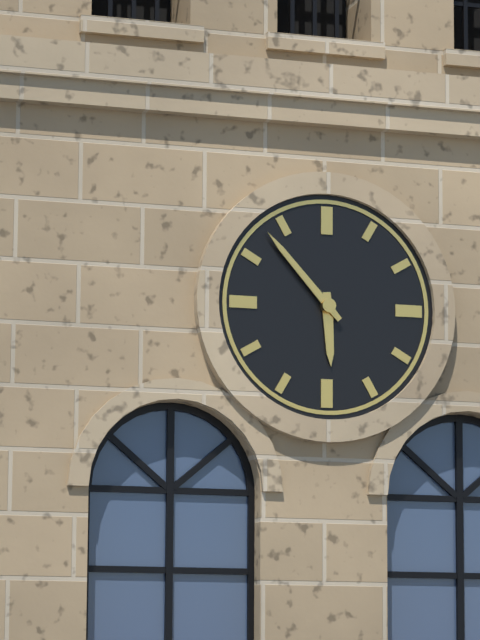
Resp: 5,53
